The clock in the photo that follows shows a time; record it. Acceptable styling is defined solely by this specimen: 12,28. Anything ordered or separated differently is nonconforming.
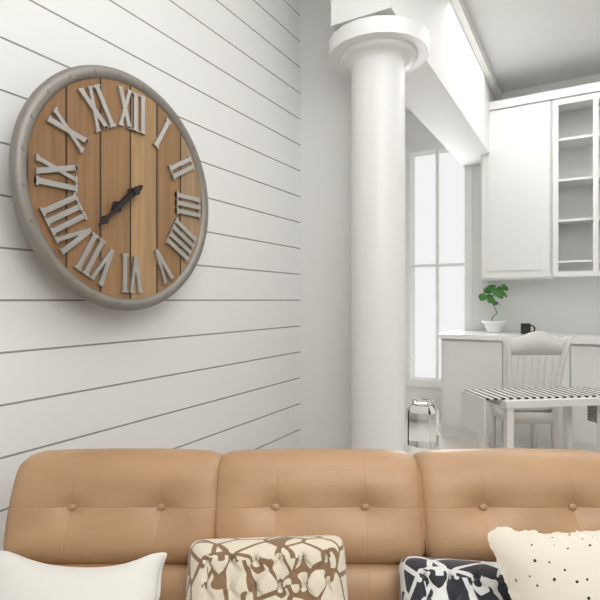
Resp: 7,38
